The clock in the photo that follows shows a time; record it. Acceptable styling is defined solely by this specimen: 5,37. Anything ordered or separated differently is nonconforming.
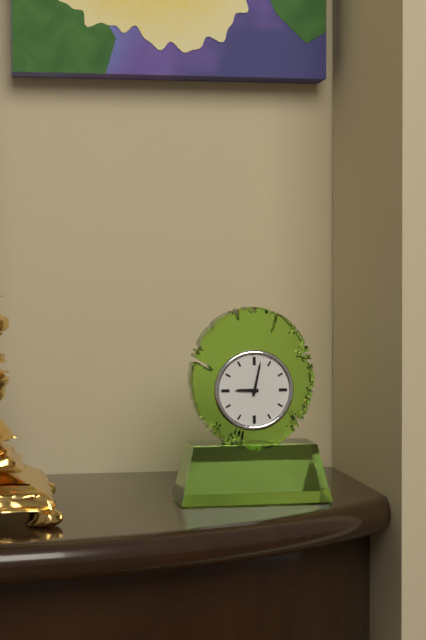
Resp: 9,02
